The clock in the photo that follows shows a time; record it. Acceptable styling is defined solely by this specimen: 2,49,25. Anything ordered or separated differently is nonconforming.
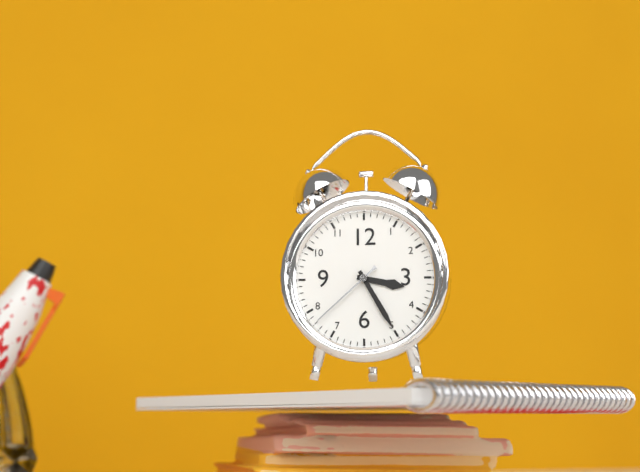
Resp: 3,25,38
